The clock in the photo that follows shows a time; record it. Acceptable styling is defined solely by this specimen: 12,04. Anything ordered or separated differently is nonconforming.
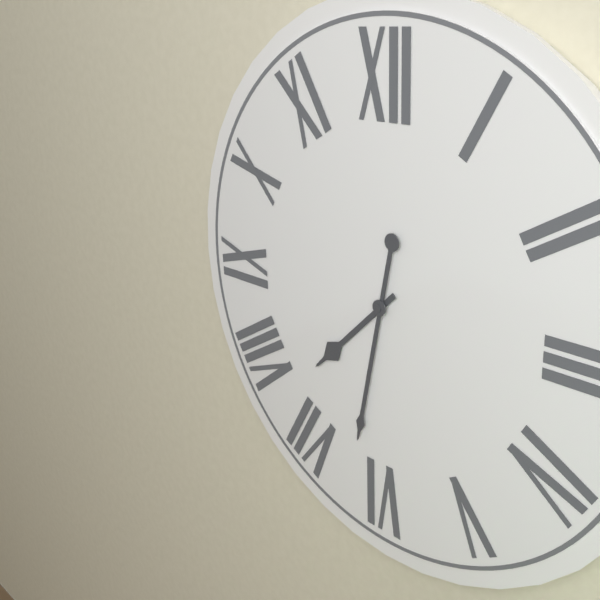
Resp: 7,32
